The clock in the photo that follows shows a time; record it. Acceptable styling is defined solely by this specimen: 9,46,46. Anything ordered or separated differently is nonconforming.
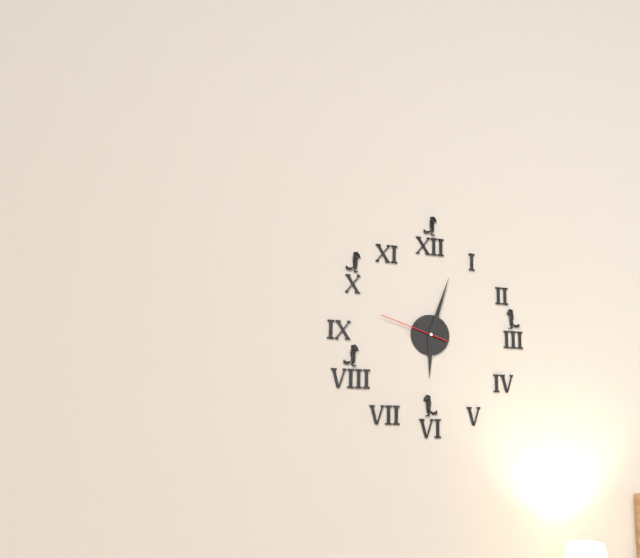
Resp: 6,03,48
